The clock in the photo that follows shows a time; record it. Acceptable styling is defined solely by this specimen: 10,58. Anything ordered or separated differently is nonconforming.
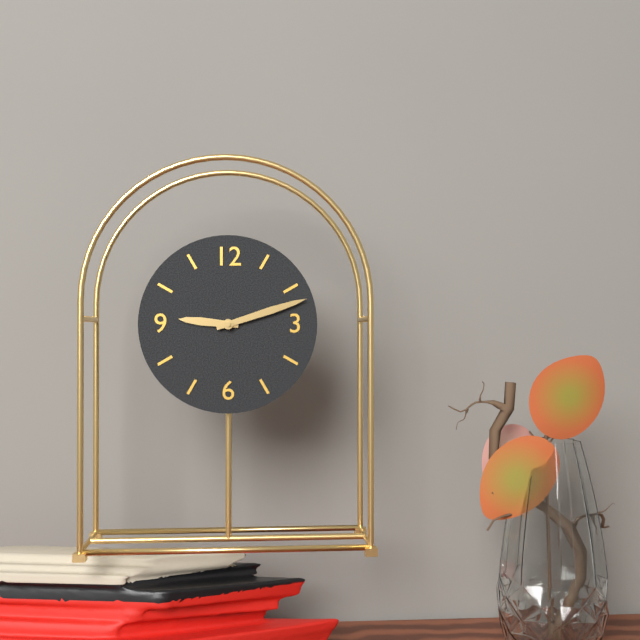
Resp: 9,12
